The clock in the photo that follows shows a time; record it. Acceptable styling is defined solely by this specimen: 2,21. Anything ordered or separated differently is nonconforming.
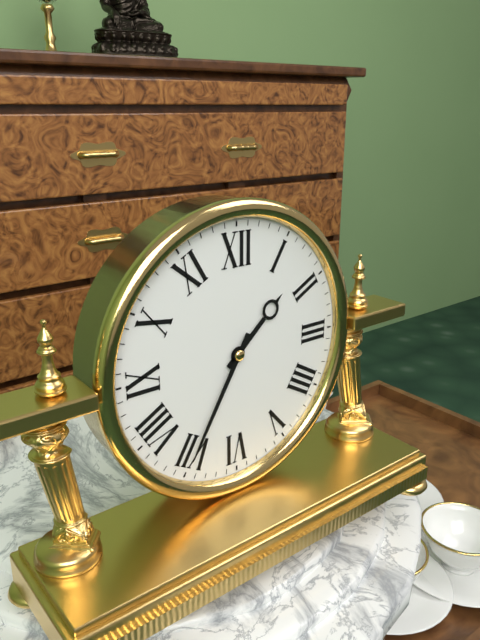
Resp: 1,35
